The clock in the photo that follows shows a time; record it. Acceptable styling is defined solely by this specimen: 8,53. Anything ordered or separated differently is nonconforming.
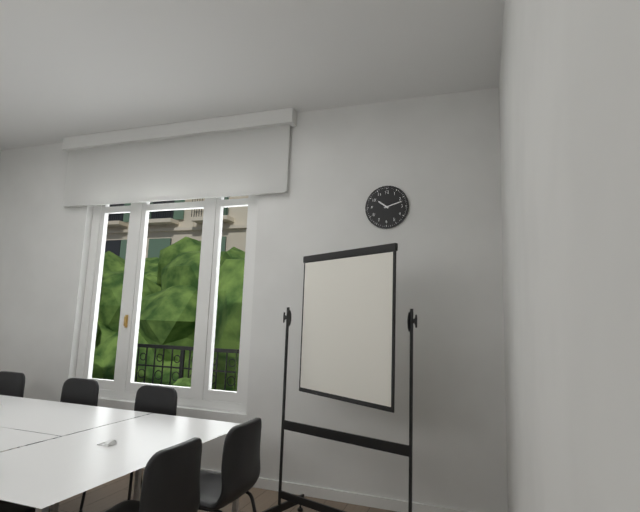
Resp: 10,12
